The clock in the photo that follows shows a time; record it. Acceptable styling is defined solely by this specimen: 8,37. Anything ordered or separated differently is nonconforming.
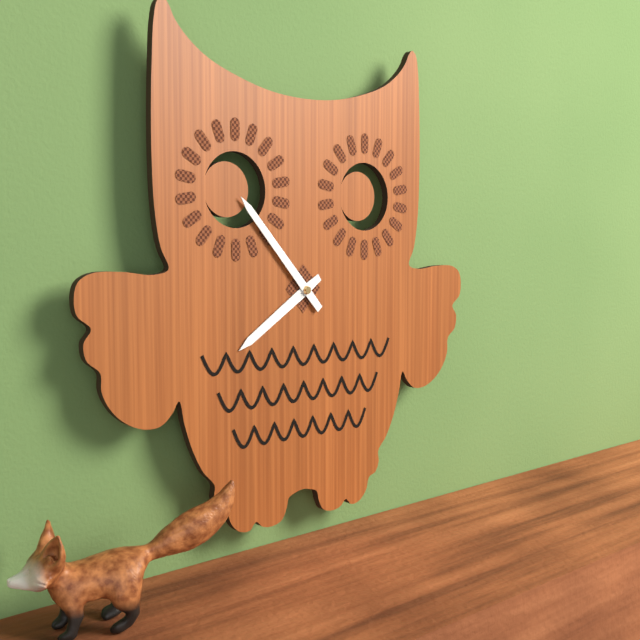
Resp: 7,53
